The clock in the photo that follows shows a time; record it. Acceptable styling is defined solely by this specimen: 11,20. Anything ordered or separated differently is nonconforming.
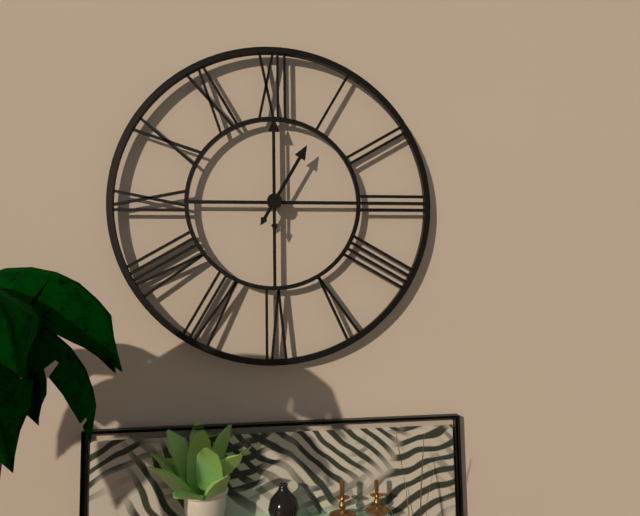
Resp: 1,00
